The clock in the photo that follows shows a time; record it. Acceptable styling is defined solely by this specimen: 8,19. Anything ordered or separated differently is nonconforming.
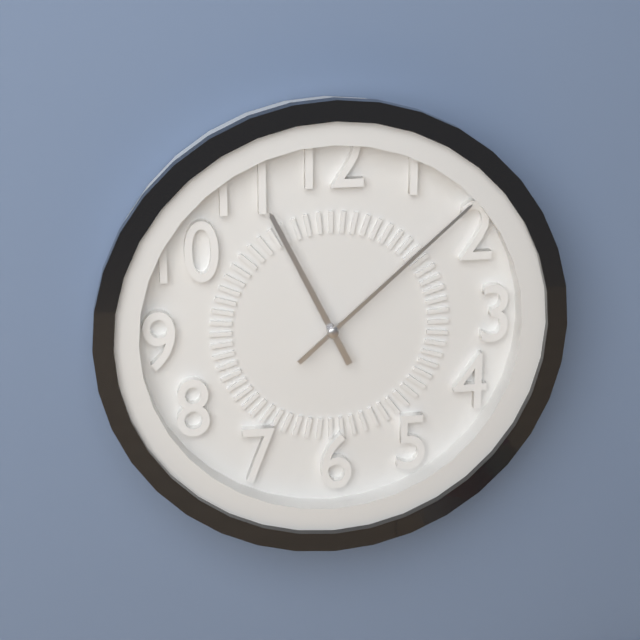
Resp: 11,08
